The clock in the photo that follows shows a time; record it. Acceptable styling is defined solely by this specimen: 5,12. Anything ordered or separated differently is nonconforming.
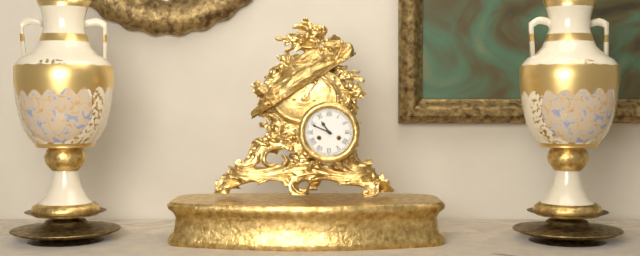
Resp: 10,49
